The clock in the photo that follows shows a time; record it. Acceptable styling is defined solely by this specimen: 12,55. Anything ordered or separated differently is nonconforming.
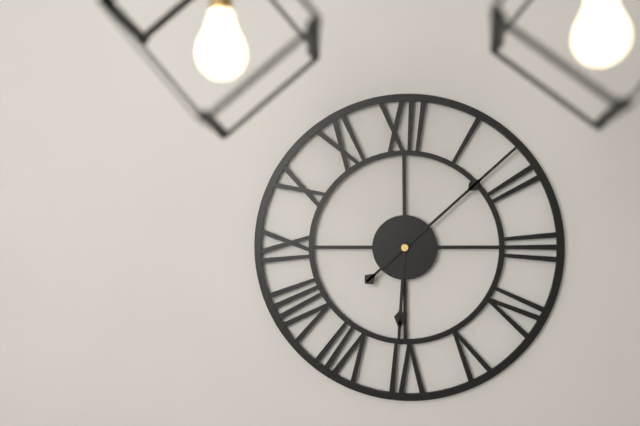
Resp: 6,08
